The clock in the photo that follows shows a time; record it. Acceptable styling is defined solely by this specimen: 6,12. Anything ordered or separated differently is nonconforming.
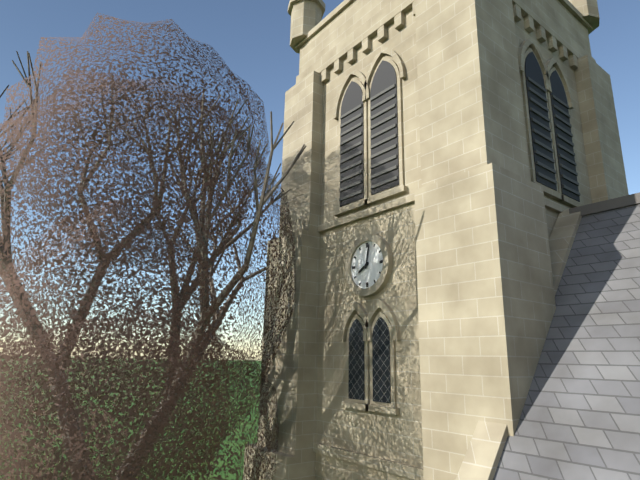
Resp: 8,02
